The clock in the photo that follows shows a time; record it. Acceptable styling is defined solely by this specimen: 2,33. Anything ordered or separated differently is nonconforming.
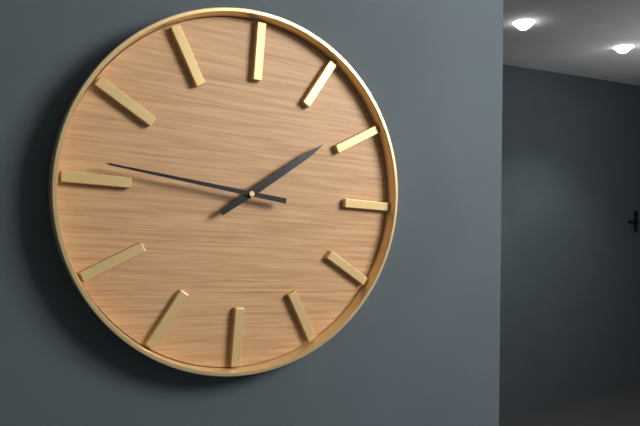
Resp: 1,46
